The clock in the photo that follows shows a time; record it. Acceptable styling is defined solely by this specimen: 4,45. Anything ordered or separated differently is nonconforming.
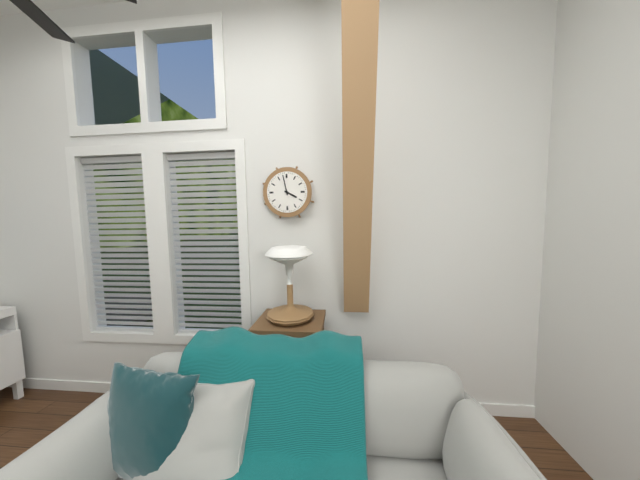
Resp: 3,58
